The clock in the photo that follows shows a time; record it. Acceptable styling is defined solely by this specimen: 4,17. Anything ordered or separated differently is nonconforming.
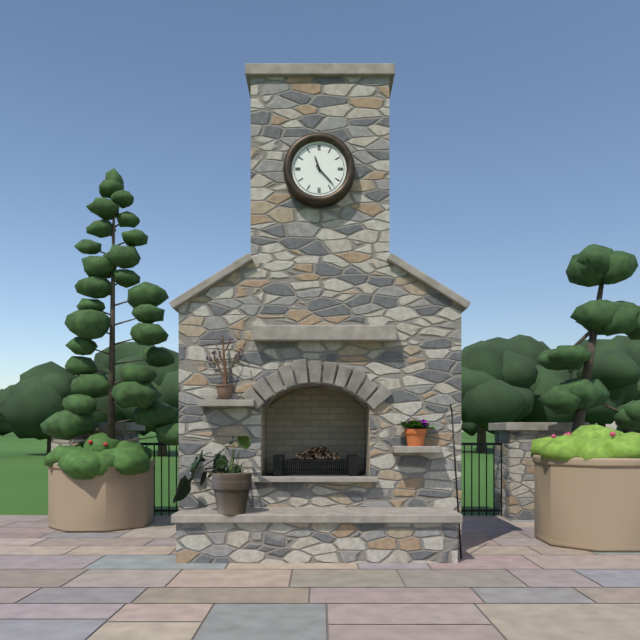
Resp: 11,23
